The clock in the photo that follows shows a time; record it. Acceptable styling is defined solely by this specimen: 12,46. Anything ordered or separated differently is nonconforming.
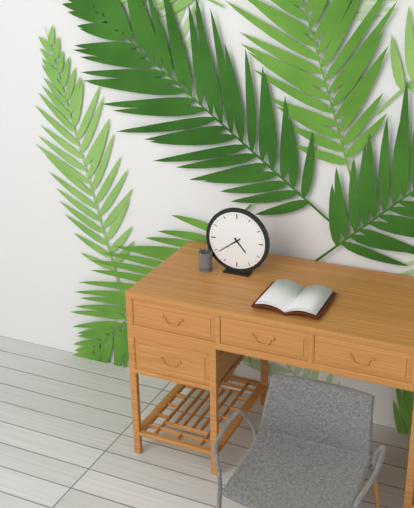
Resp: 4,39
